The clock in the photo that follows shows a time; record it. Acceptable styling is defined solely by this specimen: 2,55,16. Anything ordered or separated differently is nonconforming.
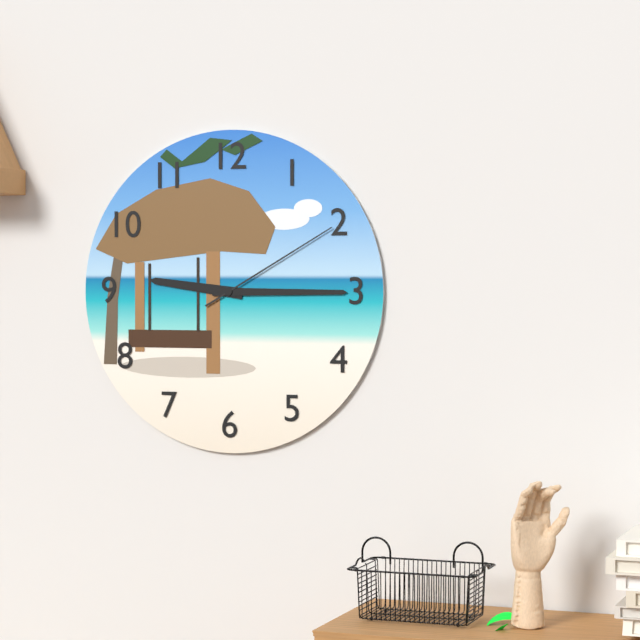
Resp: 9,15,10
